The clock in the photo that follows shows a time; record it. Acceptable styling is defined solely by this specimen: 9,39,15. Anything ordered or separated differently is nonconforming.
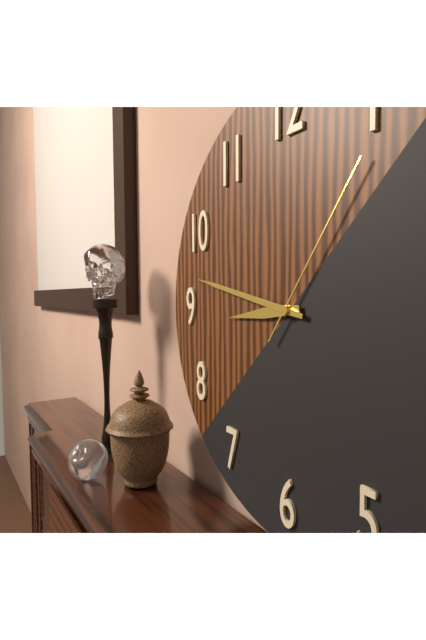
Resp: 8,47,06
